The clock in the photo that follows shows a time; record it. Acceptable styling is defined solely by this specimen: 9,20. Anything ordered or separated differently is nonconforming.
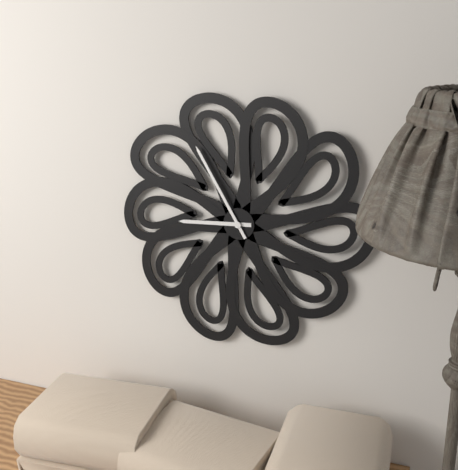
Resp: 8,55
